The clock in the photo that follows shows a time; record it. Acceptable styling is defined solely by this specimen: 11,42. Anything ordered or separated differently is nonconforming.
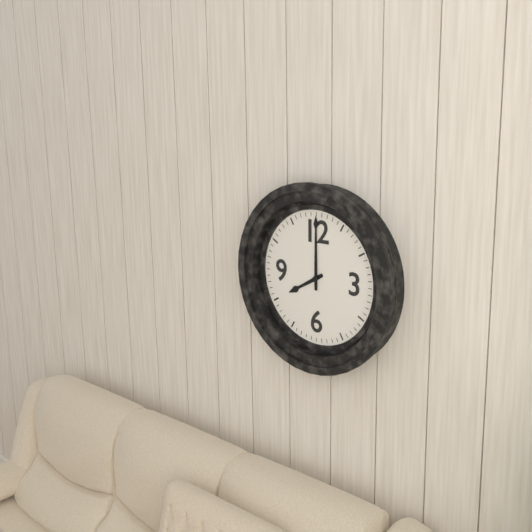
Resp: 8,00
